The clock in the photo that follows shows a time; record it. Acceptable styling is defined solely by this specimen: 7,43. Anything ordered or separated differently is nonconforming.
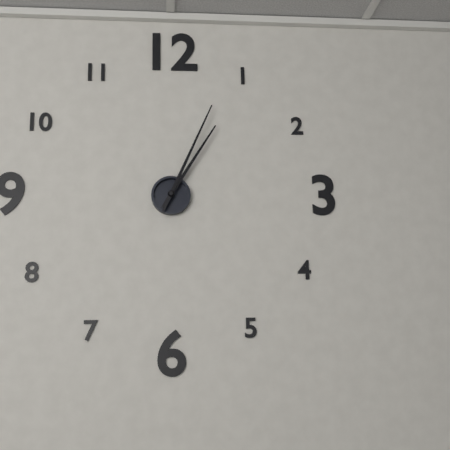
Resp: 1,04
